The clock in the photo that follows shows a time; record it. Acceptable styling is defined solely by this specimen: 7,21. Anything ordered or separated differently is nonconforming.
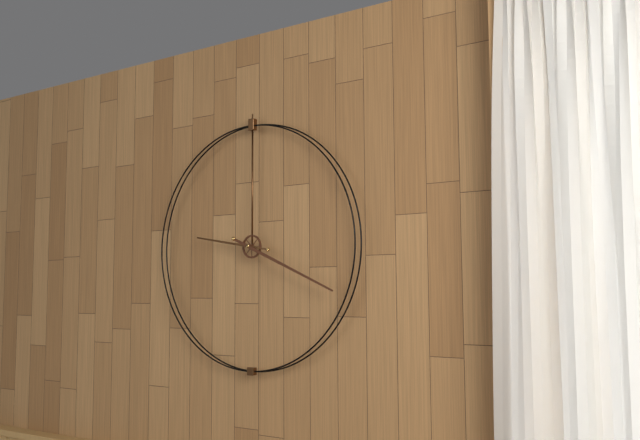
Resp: 9,19
